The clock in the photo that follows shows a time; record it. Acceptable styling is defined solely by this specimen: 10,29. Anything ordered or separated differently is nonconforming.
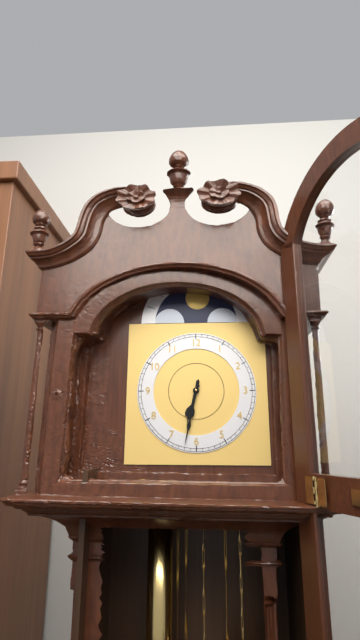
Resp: 6,32
